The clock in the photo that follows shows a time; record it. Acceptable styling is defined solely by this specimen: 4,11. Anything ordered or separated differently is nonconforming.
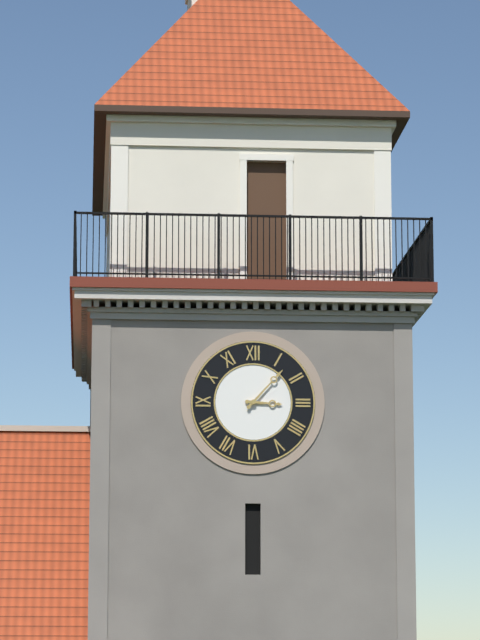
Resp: 3,07
